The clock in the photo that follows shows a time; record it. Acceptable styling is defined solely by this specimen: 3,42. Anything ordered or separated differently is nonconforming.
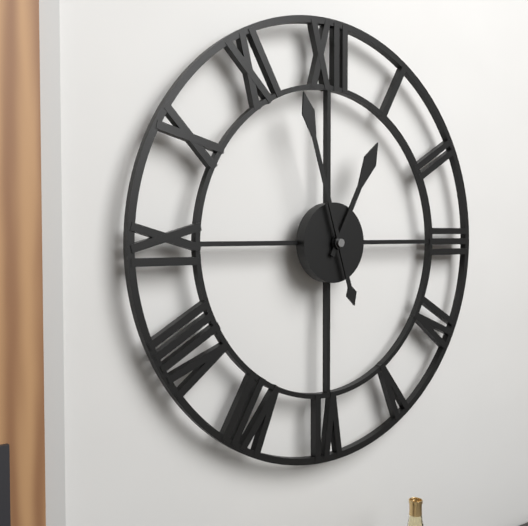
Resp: 12,57
